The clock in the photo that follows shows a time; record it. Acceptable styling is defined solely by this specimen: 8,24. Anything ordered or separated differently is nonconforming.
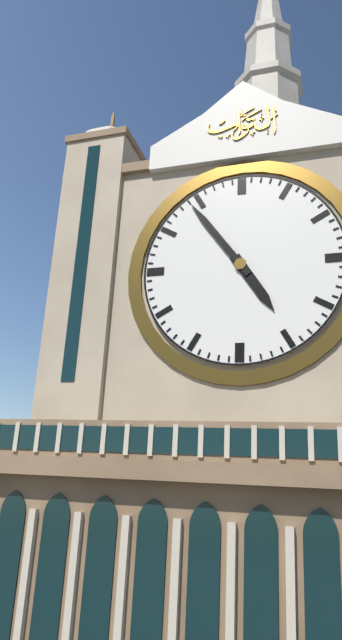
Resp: 4,54
